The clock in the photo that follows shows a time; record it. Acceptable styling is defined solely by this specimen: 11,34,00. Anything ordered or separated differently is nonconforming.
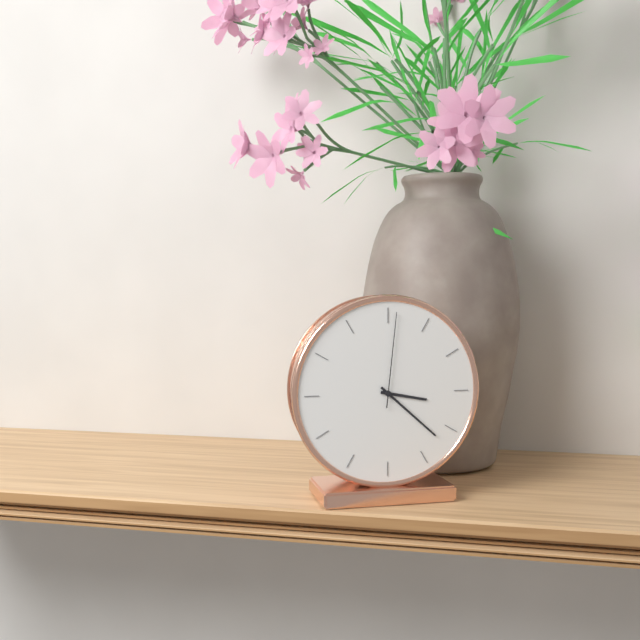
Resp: 3,22,01
